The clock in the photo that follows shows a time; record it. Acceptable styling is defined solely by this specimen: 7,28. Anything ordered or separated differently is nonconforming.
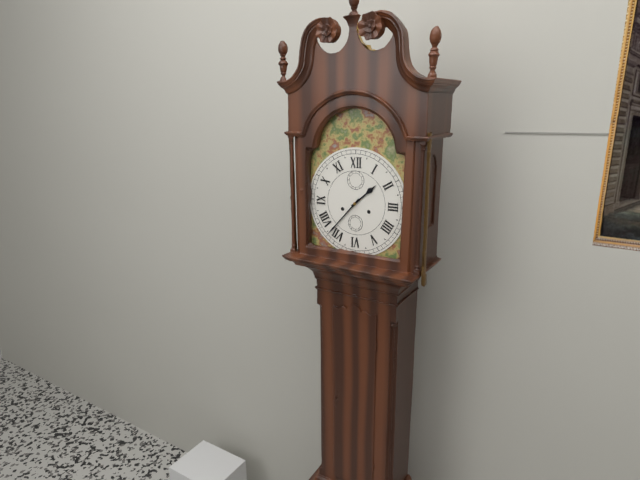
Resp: 1,37
